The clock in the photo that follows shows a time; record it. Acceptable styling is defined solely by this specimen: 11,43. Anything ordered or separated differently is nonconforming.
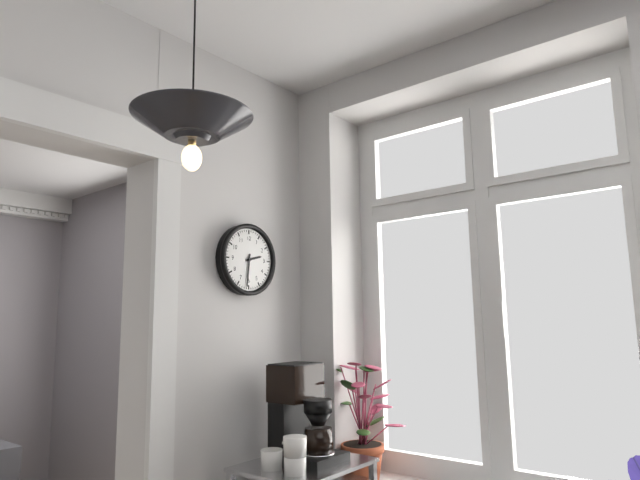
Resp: 2,31
